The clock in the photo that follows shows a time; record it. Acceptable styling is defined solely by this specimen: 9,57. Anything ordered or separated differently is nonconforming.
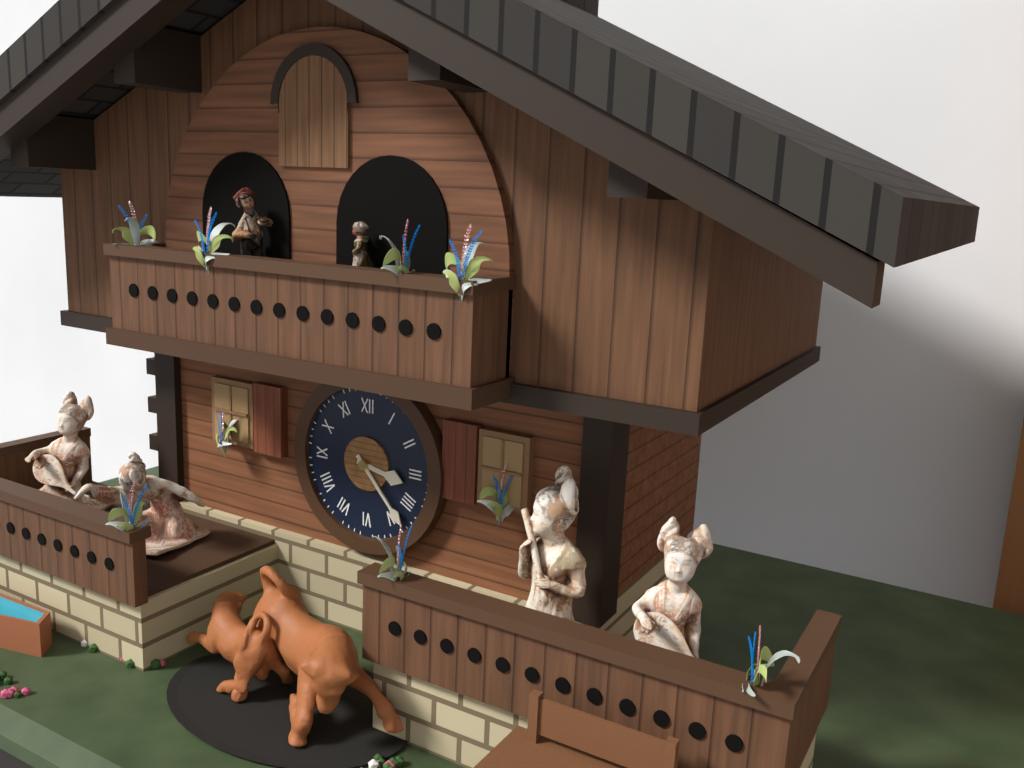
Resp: 3,23
